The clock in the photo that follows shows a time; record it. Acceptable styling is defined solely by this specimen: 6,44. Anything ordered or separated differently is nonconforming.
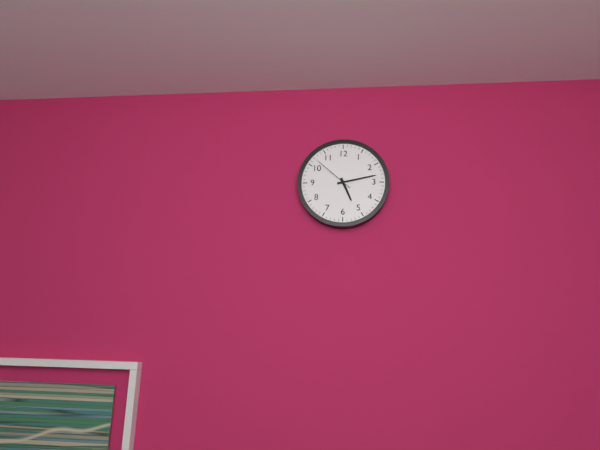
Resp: 5,13
